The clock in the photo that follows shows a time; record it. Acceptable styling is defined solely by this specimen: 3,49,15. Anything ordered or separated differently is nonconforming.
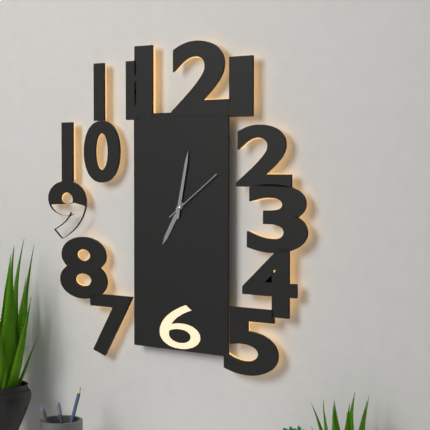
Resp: 7,02,09
